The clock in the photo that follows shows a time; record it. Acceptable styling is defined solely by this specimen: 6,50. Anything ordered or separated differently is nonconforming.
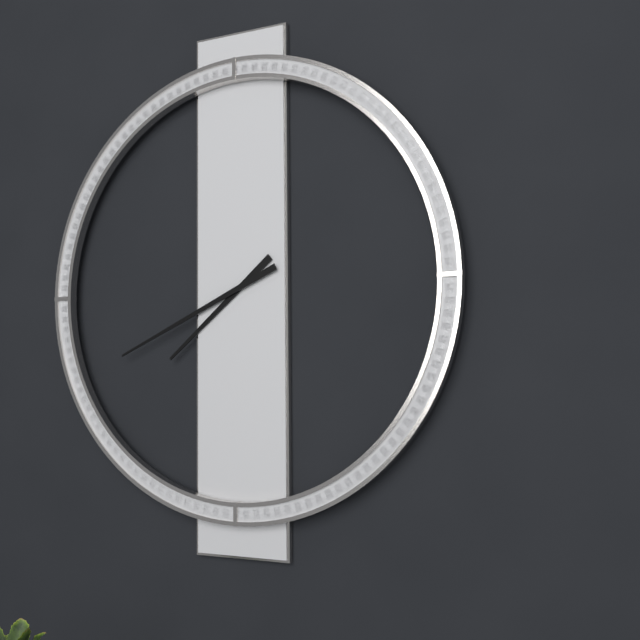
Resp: 7,41
